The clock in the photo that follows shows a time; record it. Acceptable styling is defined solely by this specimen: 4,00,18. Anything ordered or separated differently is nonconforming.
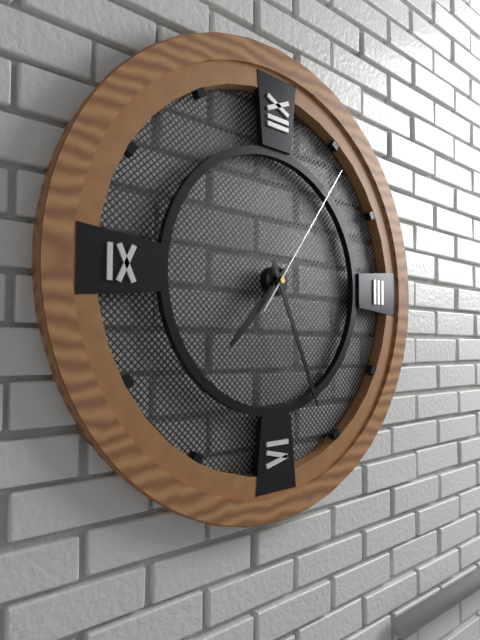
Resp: 7,26,06
